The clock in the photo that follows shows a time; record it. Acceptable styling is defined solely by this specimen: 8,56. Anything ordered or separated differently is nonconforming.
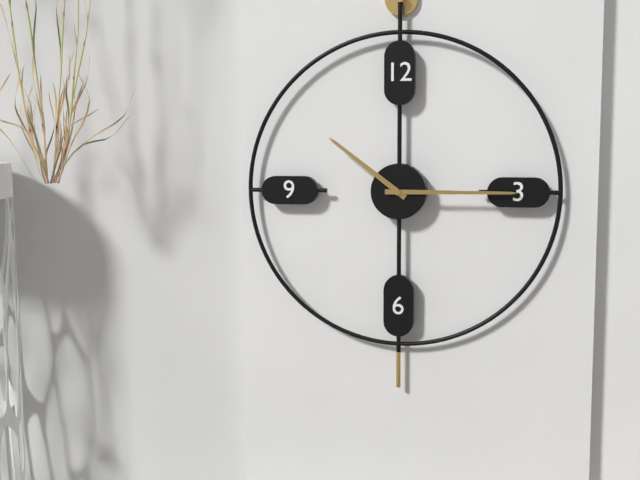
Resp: 10,15
